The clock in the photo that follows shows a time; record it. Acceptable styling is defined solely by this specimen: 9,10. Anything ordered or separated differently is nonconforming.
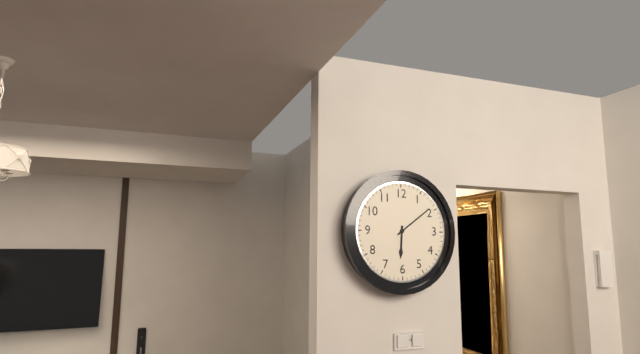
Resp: 6,09
